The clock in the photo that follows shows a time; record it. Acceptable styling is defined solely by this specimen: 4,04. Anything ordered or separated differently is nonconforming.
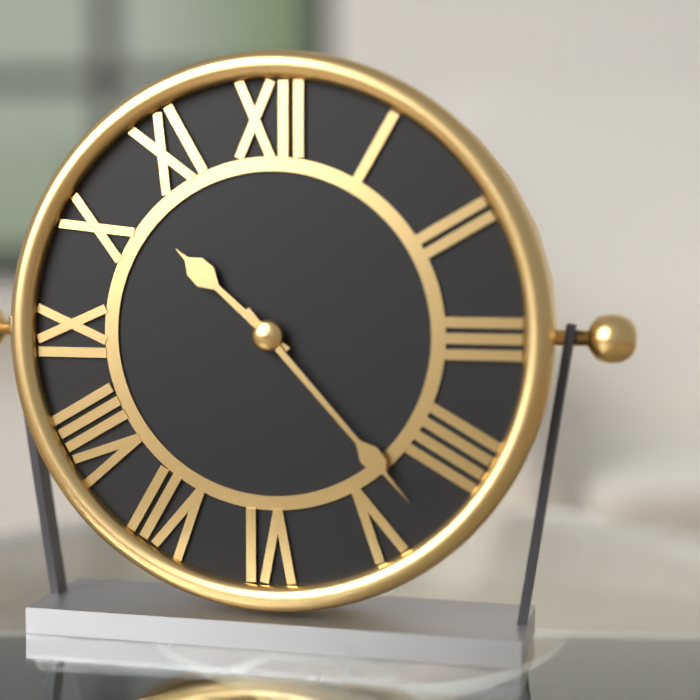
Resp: 10,23
